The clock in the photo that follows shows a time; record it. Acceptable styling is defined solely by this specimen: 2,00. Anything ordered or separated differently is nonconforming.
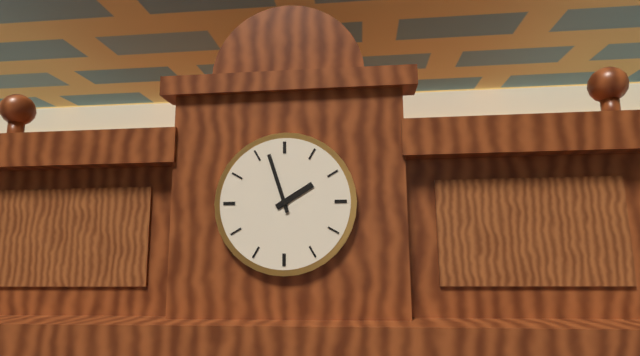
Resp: 1,57
